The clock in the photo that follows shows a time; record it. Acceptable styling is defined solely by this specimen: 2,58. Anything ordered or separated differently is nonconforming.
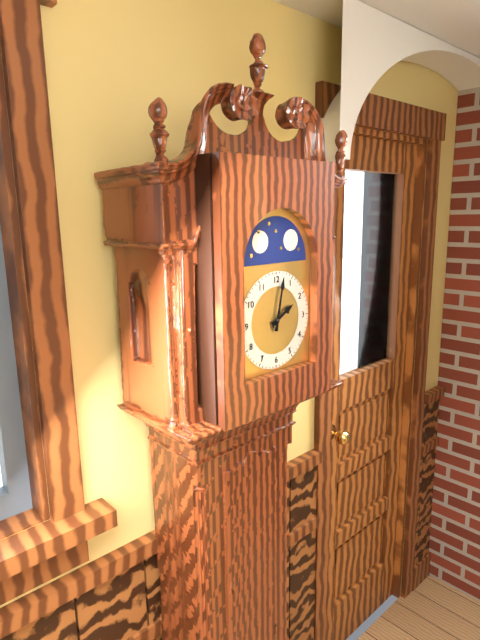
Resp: 2,02
